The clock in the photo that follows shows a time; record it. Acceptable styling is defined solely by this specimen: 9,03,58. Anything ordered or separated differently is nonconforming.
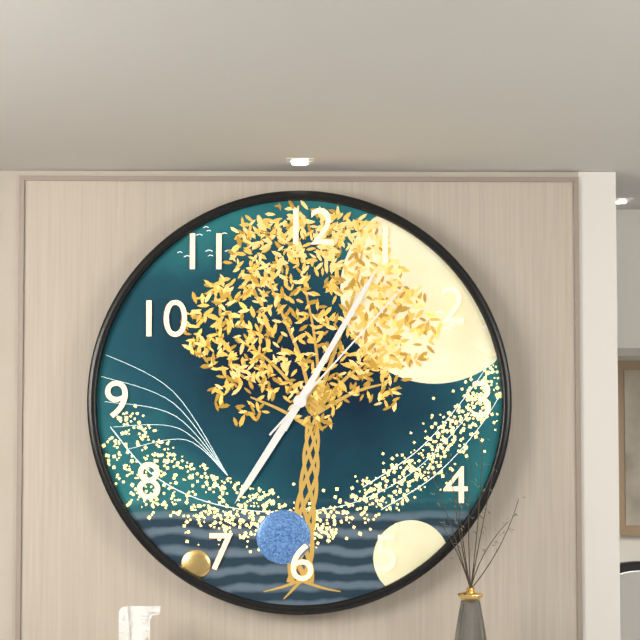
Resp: 7,05,07
